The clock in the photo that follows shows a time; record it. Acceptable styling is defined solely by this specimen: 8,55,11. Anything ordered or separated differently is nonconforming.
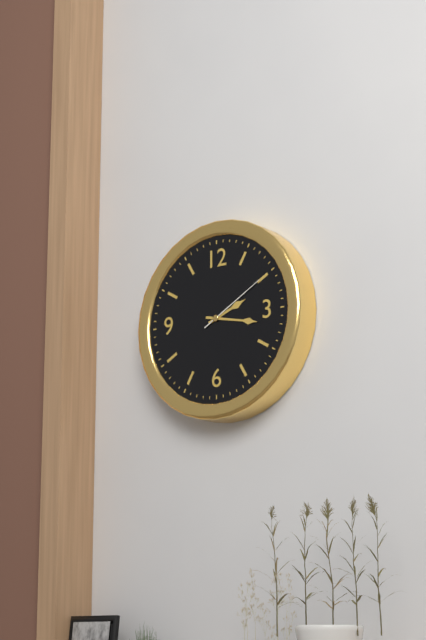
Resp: 2,17,10
